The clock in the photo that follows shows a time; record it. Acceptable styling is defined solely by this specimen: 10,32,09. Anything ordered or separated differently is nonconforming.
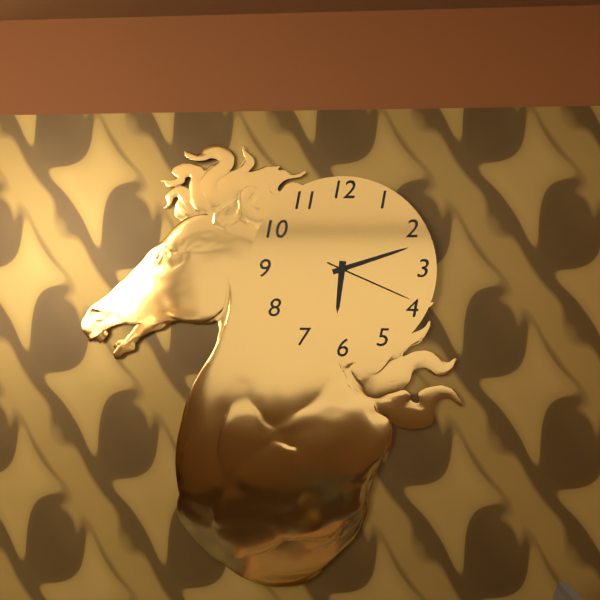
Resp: 6,12,19
